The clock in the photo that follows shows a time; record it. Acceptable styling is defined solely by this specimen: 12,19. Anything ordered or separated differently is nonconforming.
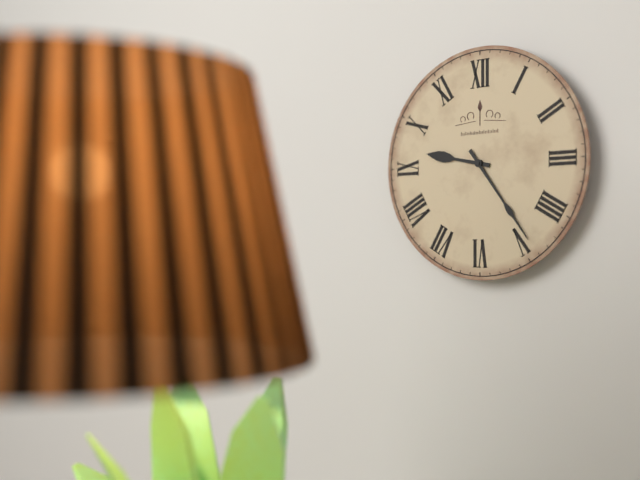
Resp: 9,24
